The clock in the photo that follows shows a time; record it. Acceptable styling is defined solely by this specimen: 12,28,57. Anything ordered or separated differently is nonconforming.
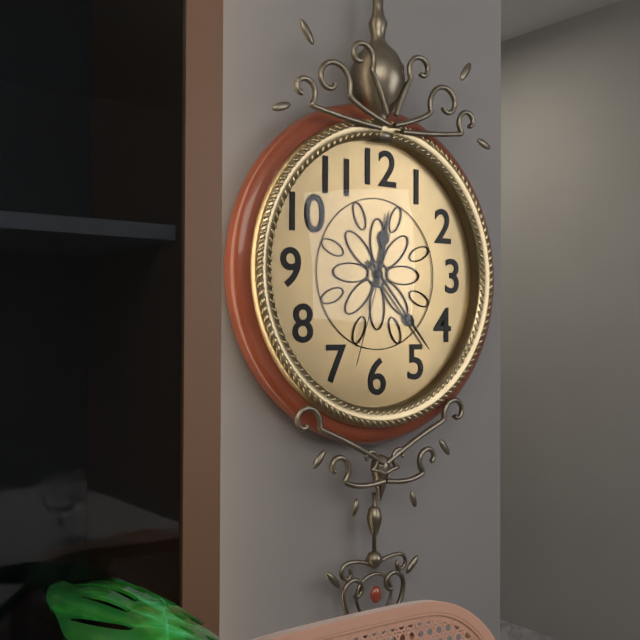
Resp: 12,23,33
